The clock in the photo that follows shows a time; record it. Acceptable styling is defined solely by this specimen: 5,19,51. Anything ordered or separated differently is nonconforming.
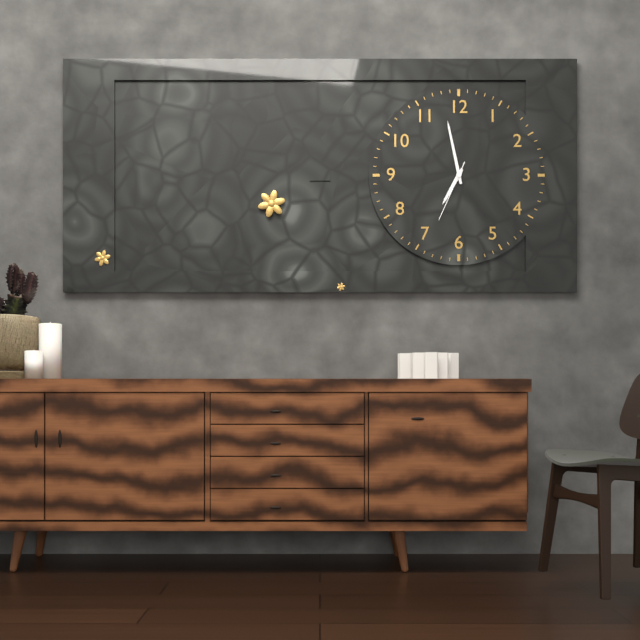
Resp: 6,58,34
